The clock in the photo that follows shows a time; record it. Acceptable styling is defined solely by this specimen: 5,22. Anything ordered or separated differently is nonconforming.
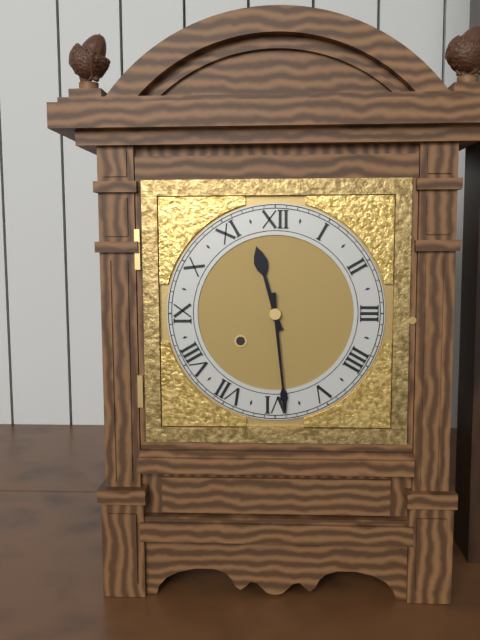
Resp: 11,29
